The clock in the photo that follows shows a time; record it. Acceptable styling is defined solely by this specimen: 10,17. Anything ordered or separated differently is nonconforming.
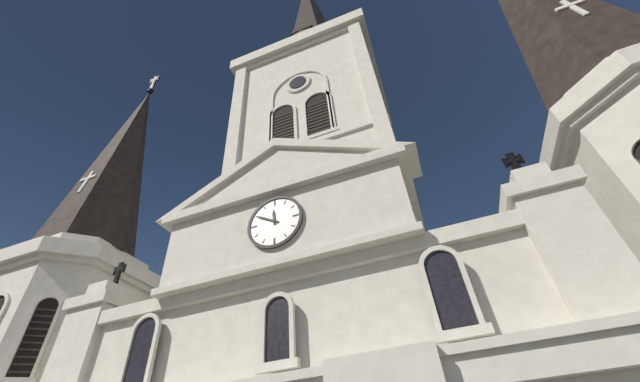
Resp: 11,50
